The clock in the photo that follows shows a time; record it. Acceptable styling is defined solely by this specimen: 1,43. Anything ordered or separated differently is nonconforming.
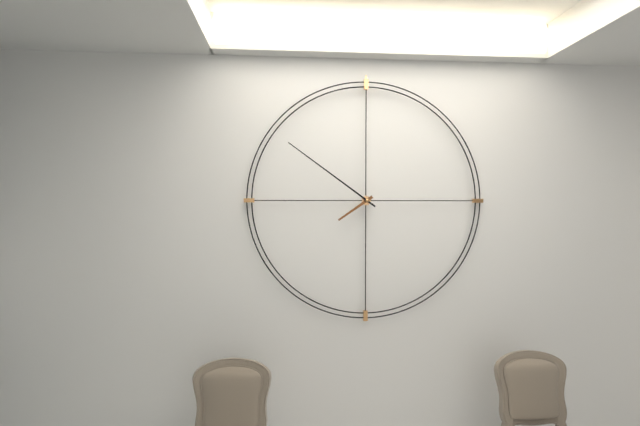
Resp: 7,51
